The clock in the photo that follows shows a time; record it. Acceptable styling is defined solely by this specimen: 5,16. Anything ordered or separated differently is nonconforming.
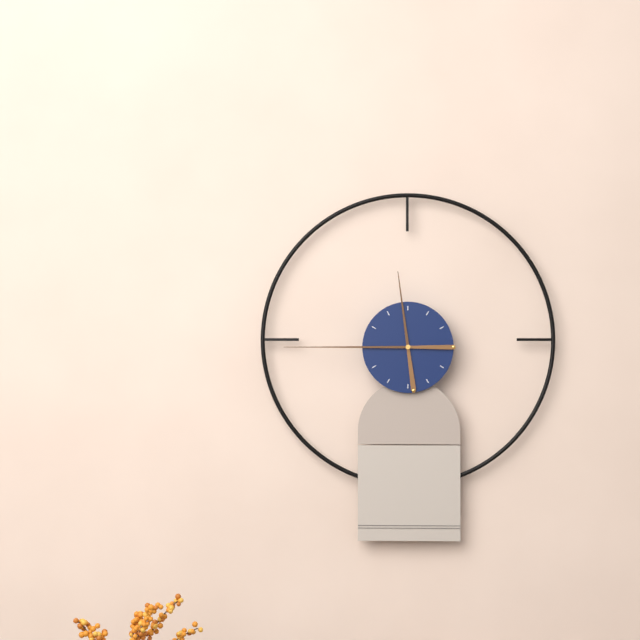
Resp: 11,45
